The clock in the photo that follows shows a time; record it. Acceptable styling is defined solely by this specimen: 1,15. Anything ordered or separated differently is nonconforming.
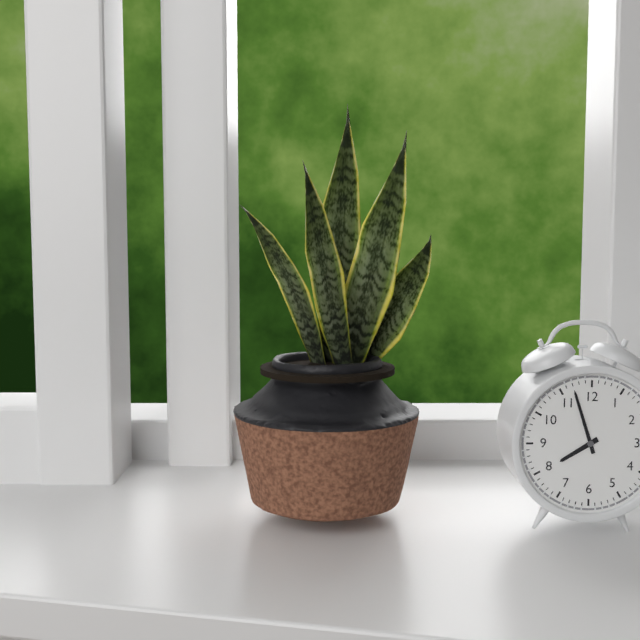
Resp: 7,57
